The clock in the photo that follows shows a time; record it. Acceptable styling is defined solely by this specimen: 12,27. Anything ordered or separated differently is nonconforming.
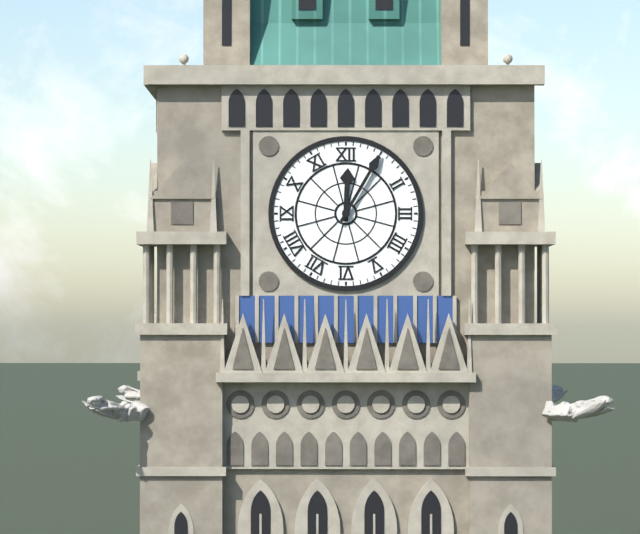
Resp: 12,05
